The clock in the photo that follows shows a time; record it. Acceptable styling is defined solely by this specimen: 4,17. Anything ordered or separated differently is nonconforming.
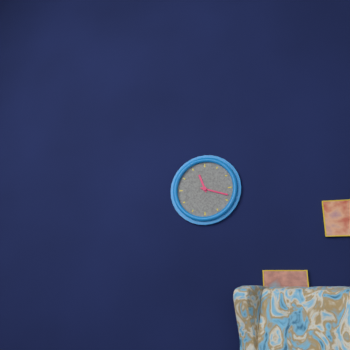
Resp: 11,18
